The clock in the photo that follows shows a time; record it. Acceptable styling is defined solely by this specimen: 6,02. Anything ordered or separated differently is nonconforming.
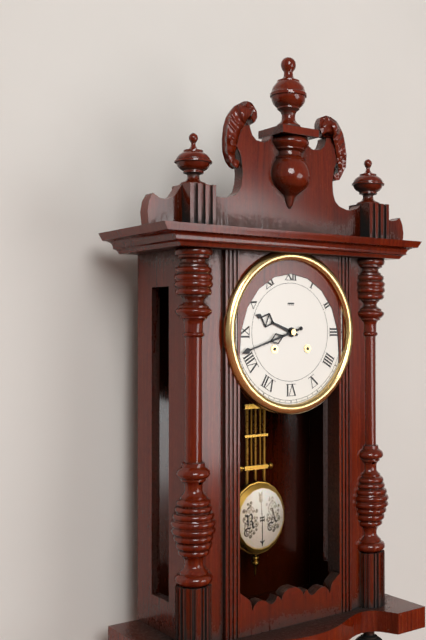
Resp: 9,42
